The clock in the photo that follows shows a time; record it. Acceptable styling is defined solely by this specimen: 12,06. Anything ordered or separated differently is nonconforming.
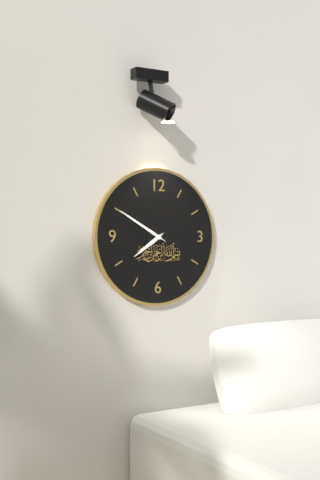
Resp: 7,50
